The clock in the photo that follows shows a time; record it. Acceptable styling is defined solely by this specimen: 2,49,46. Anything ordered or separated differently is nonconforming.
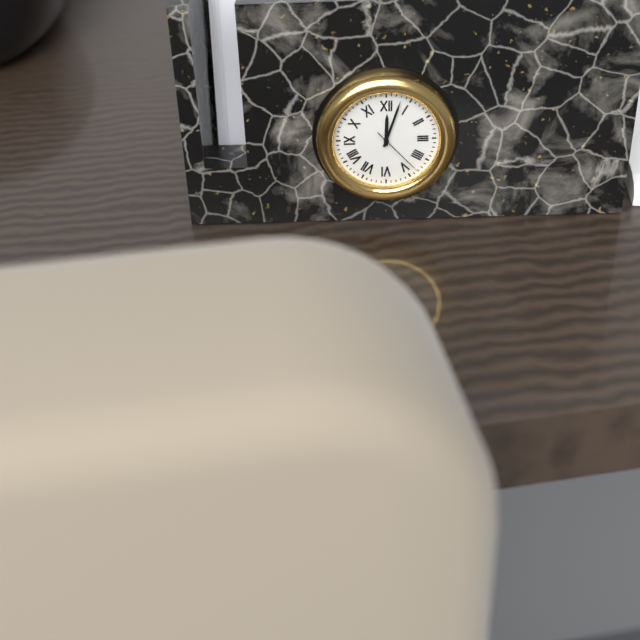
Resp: 12,03,23
